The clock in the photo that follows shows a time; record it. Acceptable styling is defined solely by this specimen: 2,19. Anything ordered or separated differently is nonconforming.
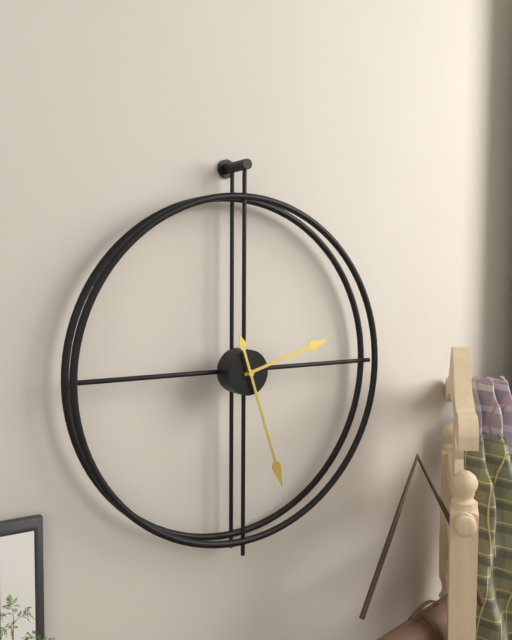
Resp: 2,27
